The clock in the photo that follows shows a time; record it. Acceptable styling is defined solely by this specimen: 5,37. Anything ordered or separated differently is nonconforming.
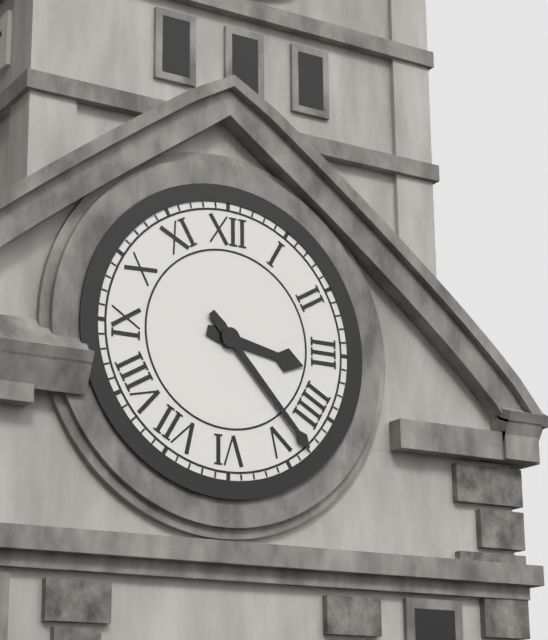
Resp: 3,23
